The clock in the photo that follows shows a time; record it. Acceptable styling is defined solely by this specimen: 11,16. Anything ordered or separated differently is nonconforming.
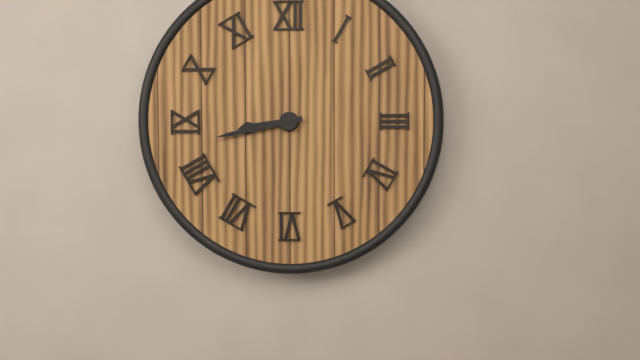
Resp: 8,43
